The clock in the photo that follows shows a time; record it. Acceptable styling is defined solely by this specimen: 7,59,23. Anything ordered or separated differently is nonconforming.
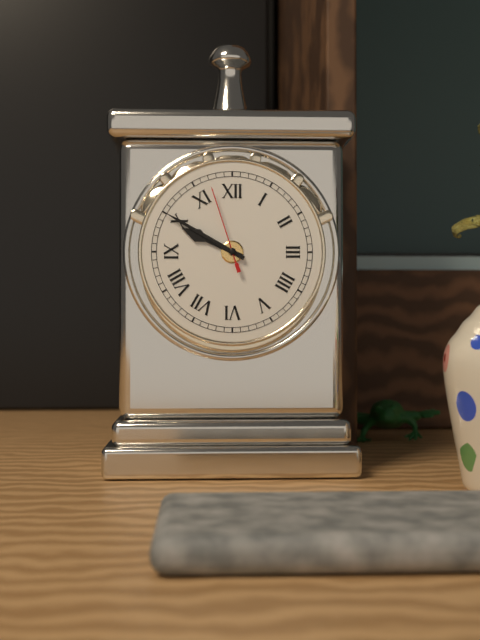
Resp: 9,50,57
